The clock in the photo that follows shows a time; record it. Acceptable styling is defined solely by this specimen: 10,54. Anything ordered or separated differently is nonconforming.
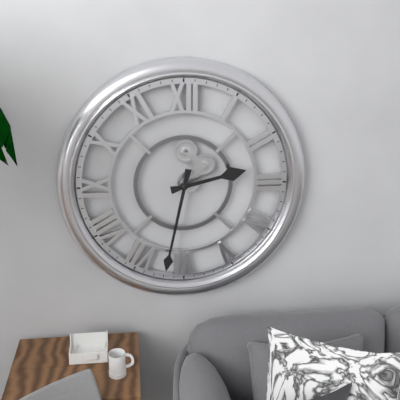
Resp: 2,32
